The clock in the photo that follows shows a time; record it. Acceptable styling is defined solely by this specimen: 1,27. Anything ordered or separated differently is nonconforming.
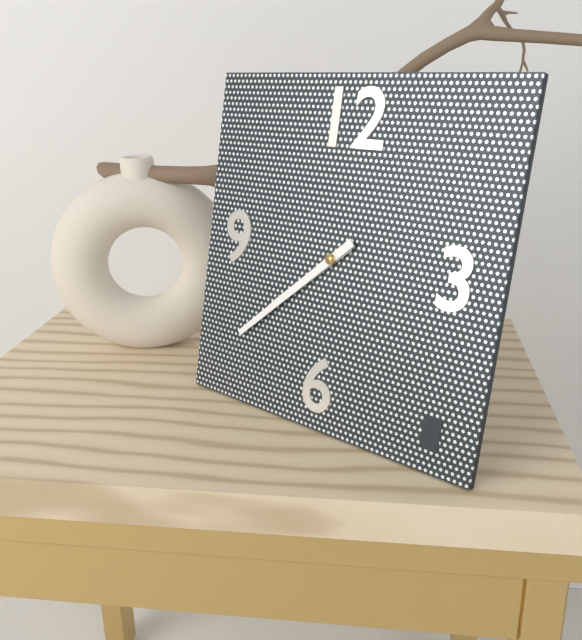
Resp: 7,38
